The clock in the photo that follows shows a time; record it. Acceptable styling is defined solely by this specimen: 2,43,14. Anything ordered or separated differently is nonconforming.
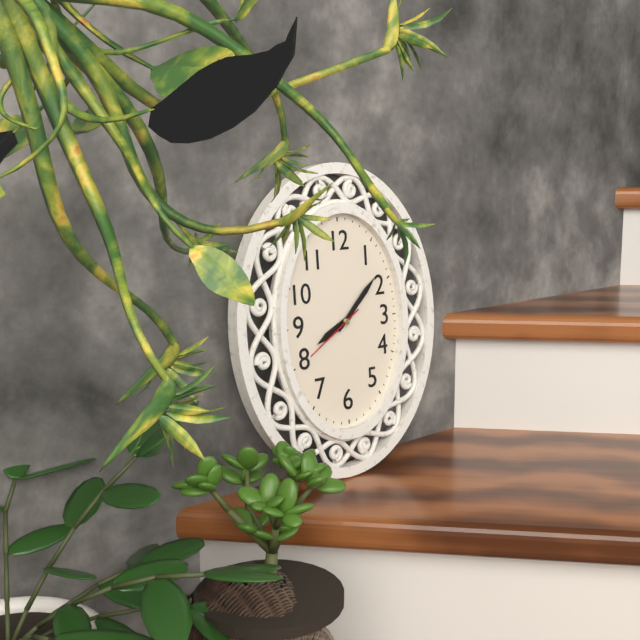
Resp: 8,08,40
